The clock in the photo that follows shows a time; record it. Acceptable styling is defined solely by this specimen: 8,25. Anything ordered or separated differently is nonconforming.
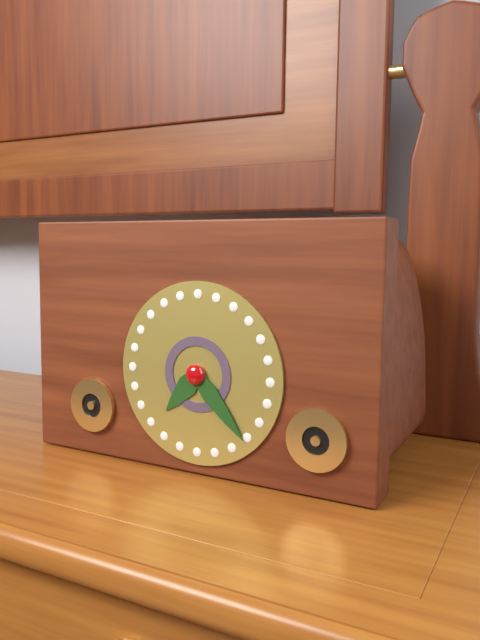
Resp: 7,23
